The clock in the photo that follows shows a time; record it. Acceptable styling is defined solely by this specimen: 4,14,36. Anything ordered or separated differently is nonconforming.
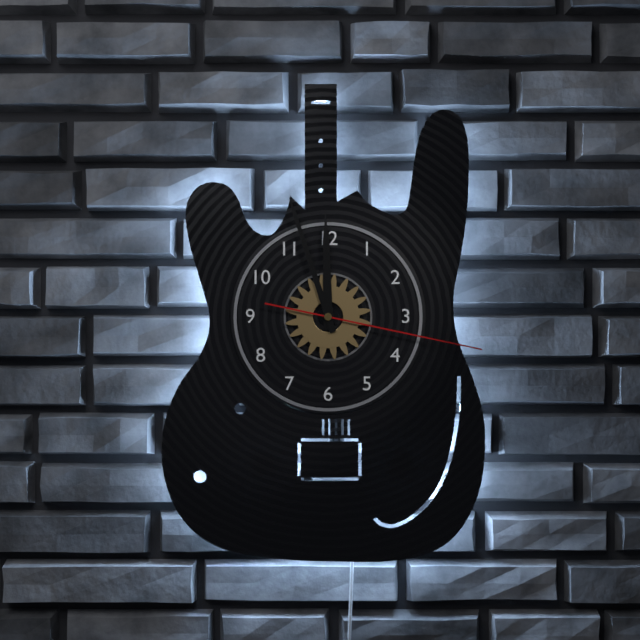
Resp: 11,57,17
